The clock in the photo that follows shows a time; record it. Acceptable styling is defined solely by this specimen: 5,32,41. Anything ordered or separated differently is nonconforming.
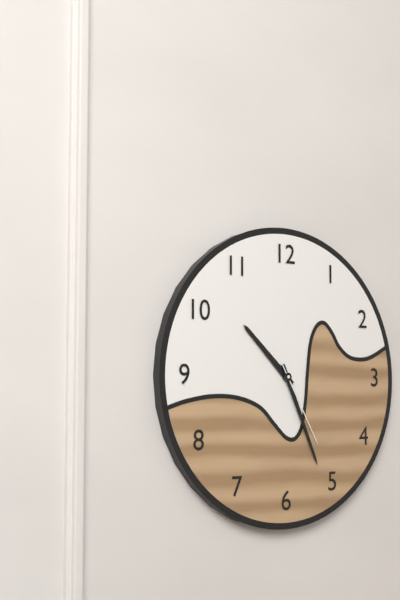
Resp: 10,26,25
